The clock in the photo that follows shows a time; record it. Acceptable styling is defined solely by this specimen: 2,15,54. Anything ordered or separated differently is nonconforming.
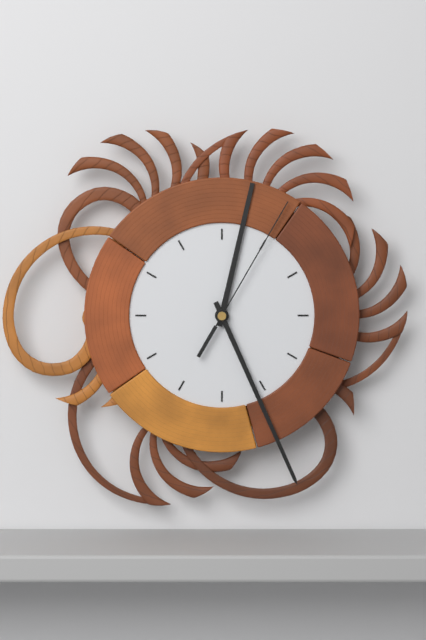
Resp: 12,26,05
